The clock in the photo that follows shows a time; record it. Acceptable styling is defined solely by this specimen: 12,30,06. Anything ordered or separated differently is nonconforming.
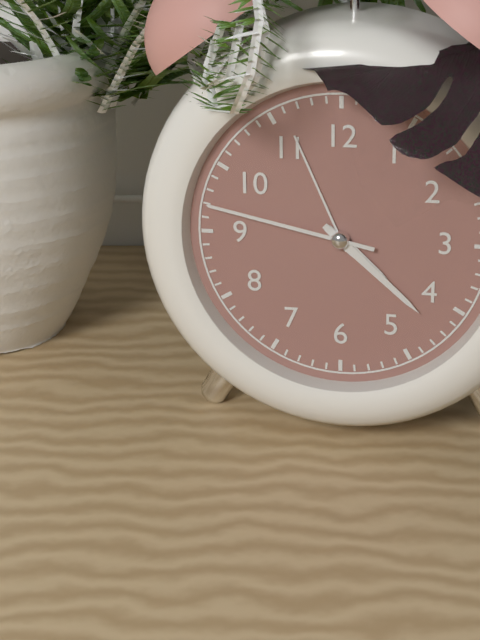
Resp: 4,22,47
